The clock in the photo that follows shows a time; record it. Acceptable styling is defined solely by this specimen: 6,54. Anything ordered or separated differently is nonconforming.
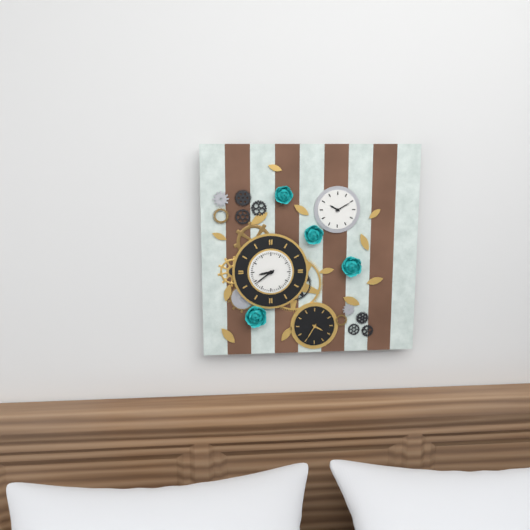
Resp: 8,39
